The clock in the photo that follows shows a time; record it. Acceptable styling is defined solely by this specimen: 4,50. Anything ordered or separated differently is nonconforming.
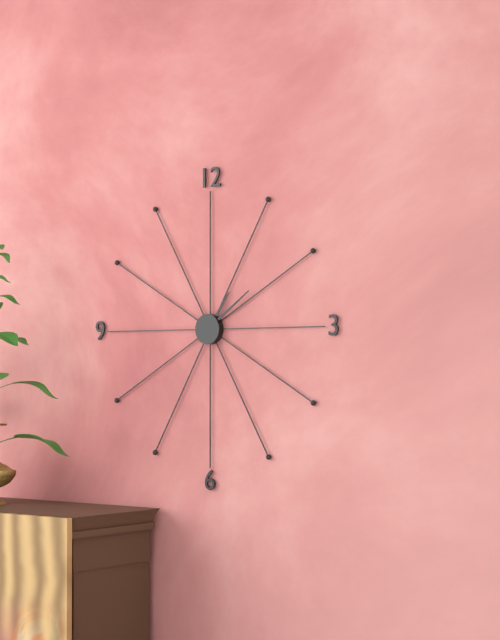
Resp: 1,09
